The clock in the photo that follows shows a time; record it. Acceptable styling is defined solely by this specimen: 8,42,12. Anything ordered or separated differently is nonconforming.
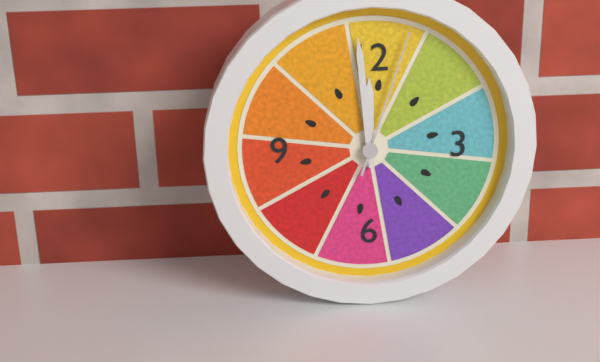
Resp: 11,59,03
